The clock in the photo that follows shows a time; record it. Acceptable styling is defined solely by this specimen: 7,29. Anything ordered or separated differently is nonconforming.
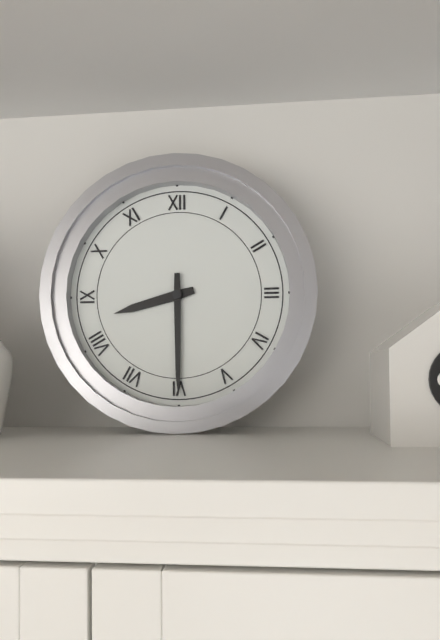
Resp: 8,30
